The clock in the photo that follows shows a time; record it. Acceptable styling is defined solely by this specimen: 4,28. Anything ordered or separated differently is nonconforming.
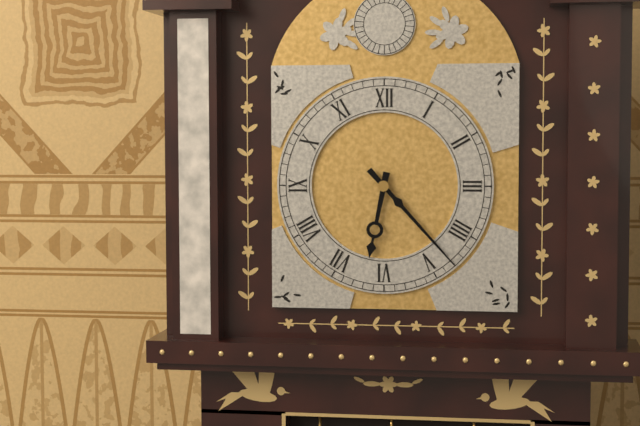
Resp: 6,23
